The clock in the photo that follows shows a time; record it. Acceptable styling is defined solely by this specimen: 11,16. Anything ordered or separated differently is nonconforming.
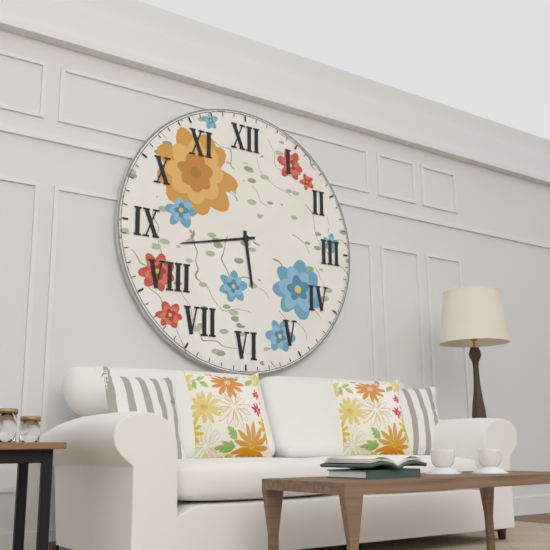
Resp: 5,43
